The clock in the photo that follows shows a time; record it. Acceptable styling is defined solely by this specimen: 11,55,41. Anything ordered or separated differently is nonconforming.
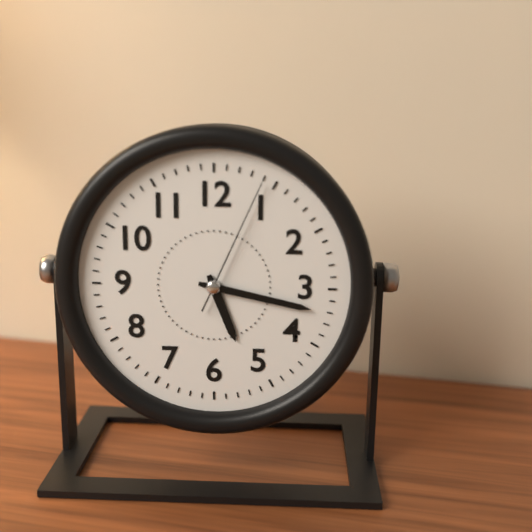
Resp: 5,17,04
